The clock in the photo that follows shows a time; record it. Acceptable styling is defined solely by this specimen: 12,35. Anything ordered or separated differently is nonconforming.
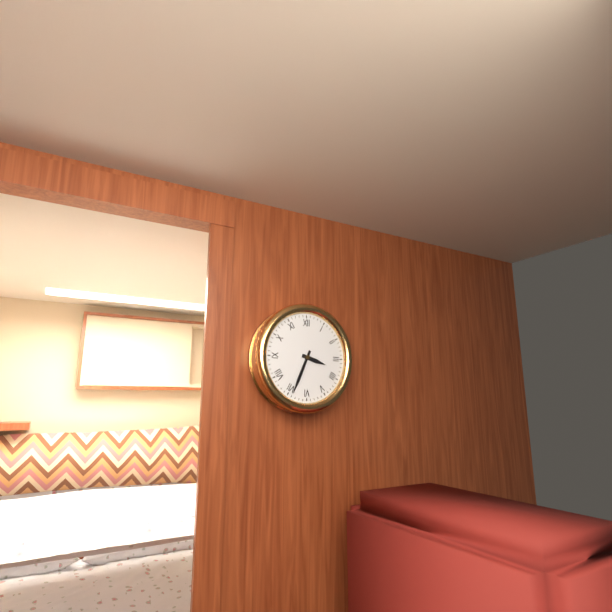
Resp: 3,34
